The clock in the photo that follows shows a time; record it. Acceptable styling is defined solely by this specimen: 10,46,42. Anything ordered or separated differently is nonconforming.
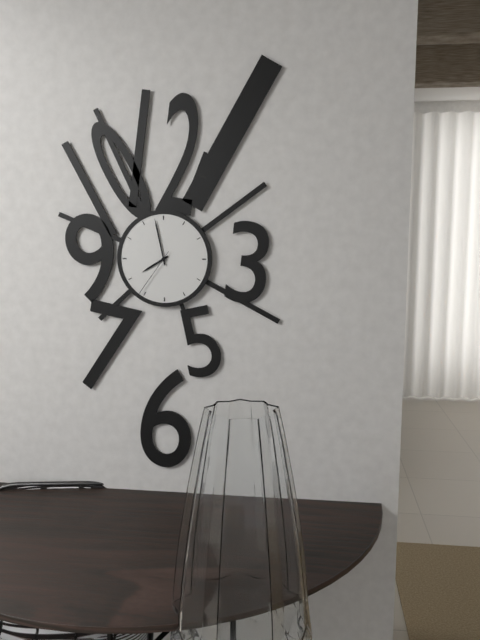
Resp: 7,58,36
